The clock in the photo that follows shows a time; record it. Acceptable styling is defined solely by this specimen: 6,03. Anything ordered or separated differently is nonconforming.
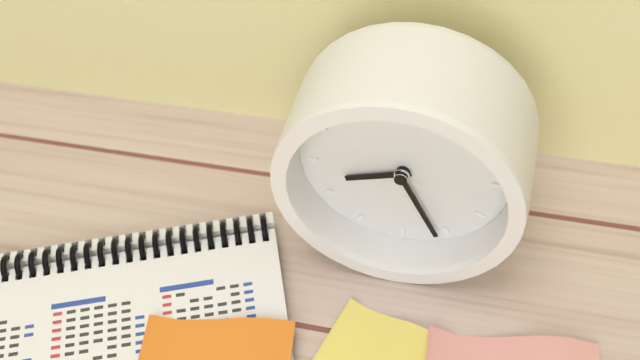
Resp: 8,26
